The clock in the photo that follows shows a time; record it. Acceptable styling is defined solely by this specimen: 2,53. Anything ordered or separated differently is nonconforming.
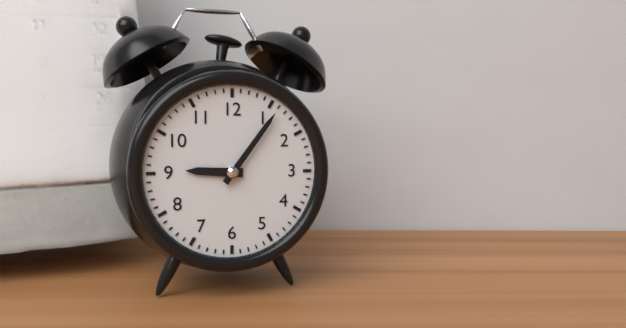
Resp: 9,06
